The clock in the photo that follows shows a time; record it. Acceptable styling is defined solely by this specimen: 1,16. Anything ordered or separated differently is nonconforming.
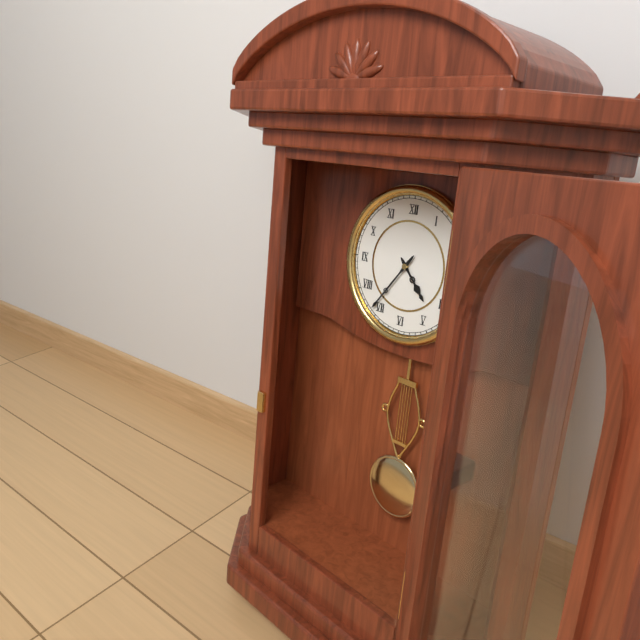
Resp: 4,36
